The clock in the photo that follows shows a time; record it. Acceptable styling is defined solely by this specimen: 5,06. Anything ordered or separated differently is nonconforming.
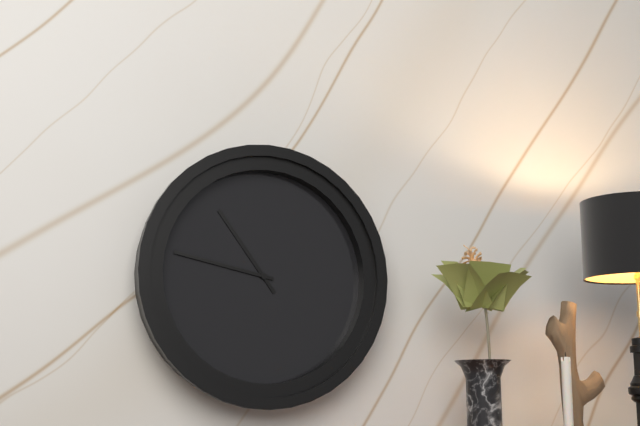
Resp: 10,47
